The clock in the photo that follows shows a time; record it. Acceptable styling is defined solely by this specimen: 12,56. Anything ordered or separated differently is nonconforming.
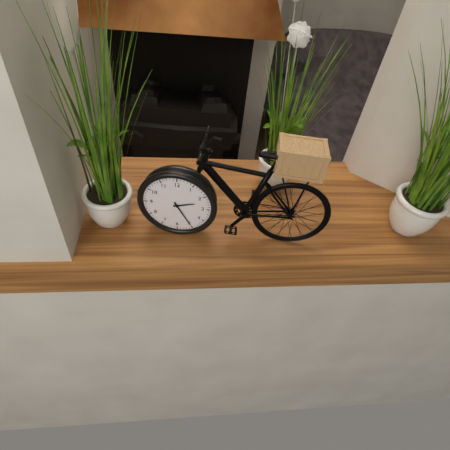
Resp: 2,25
